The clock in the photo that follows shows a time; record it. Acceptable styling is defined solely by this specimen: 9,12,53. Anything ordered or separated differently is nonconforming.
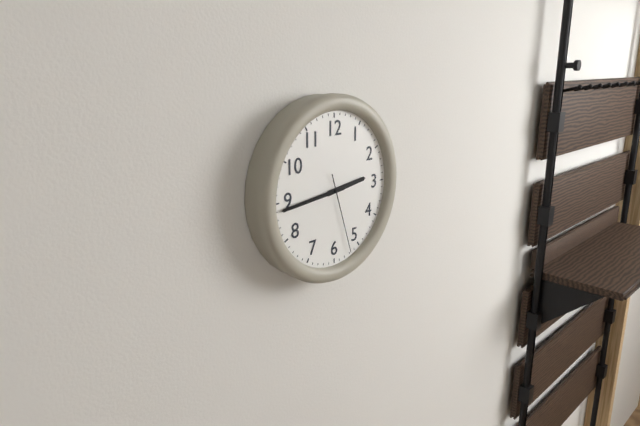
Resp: 2,44,27
